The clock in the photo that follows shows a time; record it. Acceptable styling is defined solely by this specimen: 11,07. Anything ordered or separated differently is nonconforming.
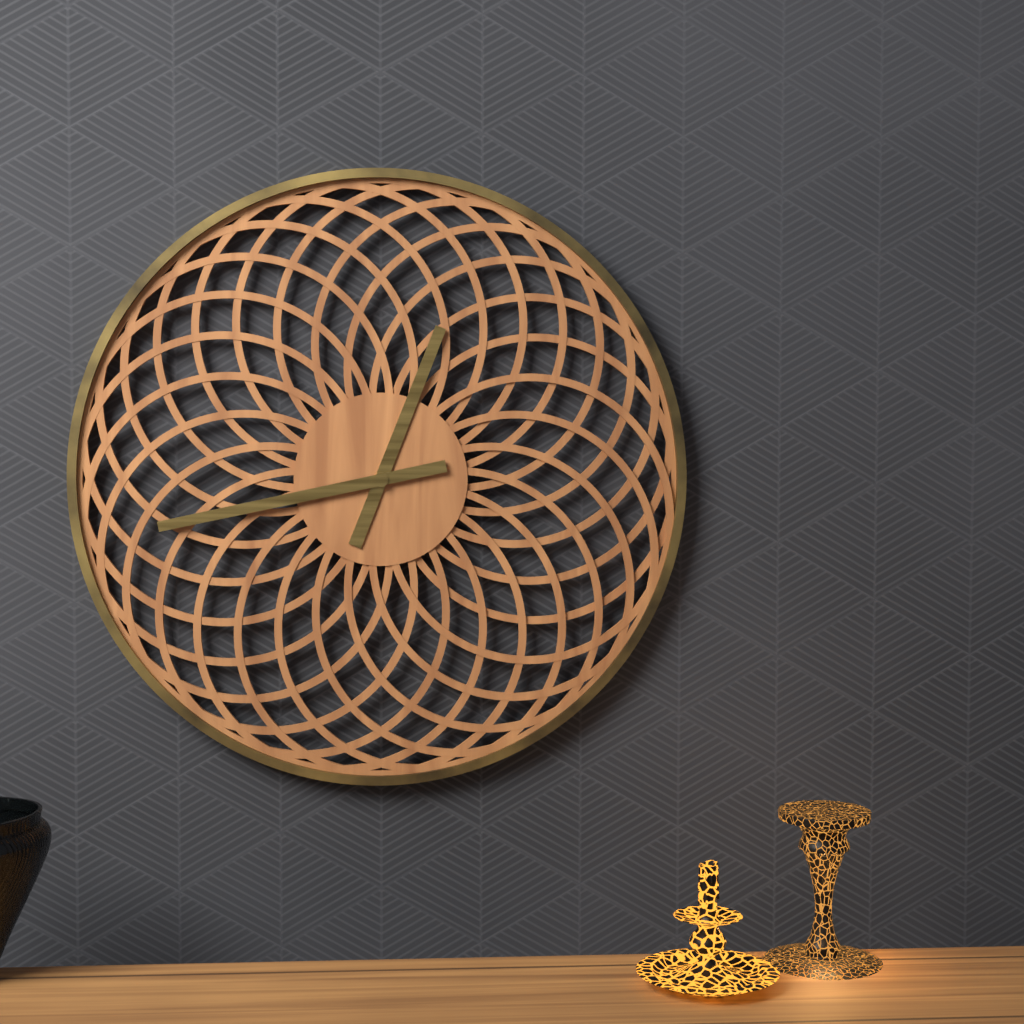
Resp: 12,43
